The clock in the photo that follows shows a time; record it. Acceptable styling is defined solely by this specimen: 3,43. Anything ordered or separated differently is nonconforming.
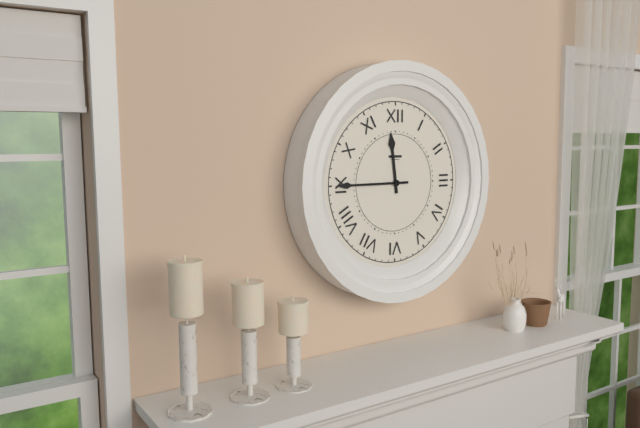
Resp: 11,45
